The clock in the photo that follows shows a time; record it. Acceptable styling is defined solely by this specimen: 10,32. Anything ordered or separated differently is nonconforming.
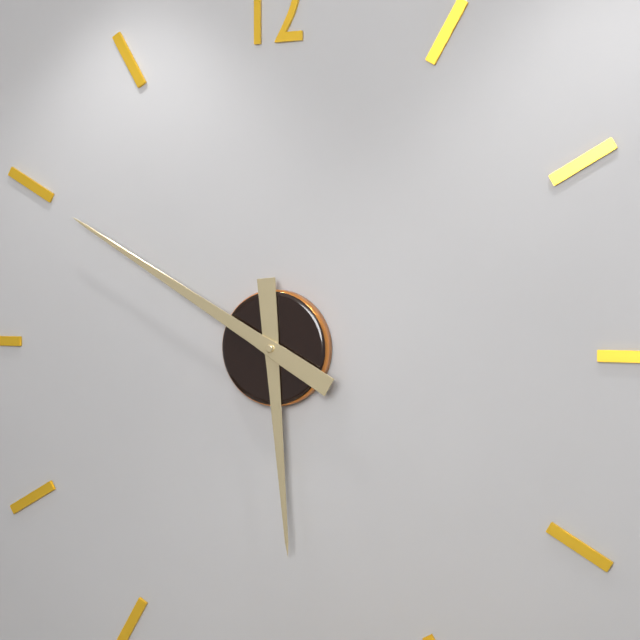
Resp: 5,50
